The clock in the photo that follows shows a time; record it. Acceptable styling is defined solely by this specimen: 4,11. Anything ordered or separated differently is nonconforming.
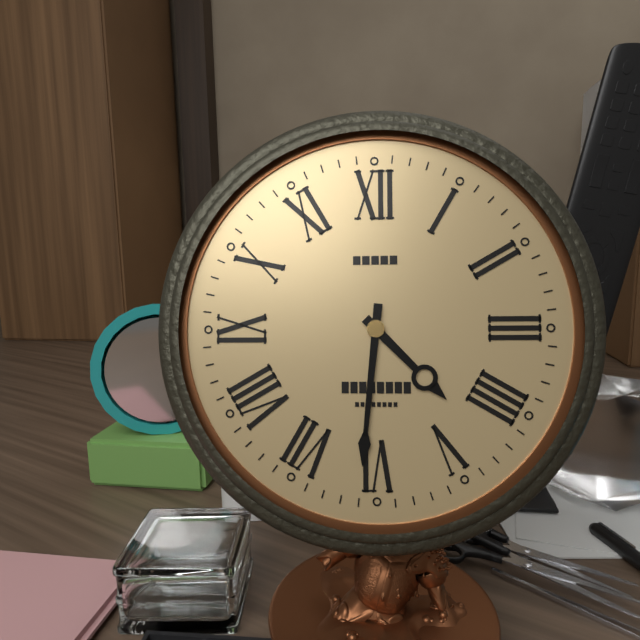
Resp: 4,31
